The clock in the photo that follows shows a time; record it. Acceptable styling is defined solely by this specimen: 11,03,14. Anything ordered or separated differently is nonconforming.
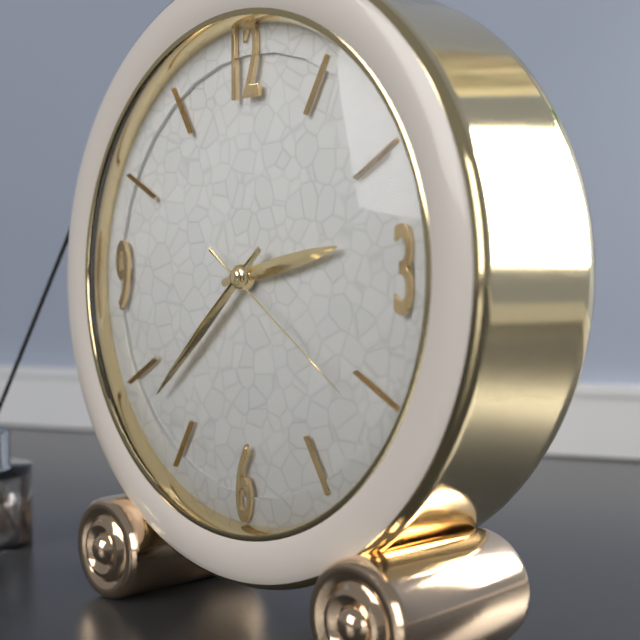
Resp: 2,38,21
